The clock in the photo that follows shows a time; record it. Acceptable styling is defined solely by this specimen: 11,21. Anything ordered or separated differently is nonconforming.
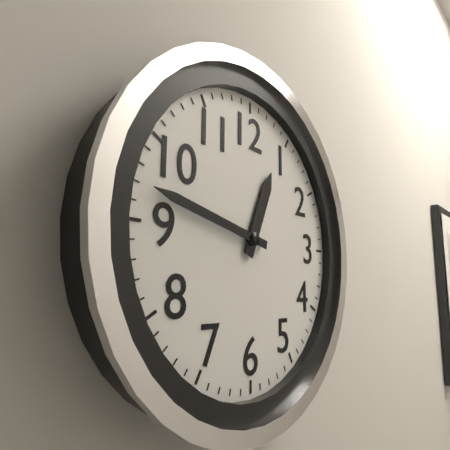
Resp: 12,47
